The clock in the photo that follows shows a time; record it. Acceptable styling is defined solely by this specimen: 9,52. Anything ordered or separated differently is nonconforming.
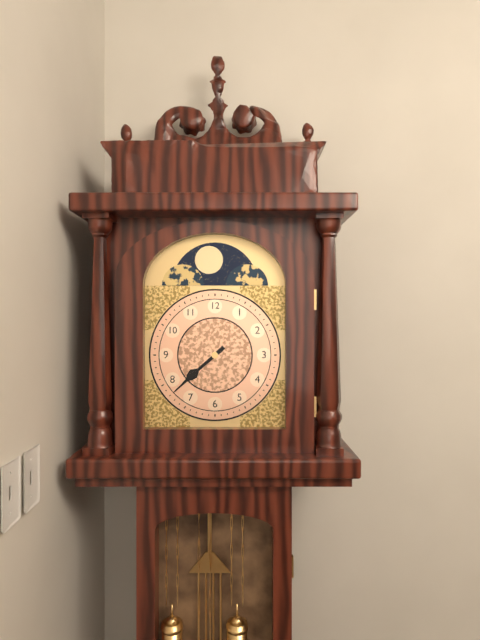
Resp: 7,38
